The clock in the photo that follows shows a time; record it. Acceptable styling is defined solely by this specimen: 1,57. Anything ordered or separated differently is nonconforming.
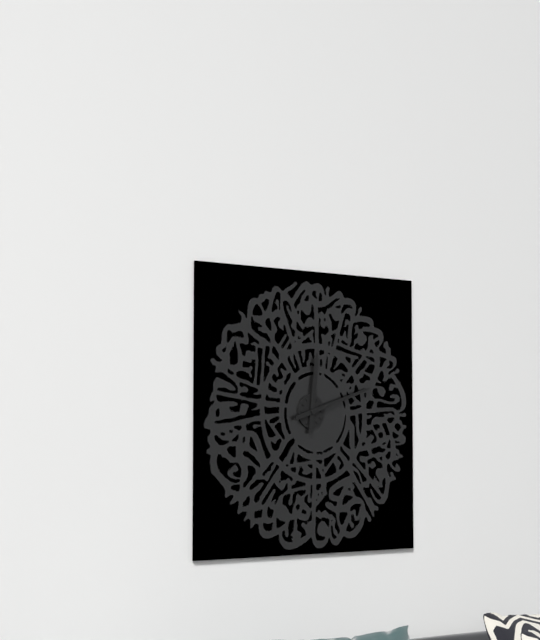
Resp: 12,12
